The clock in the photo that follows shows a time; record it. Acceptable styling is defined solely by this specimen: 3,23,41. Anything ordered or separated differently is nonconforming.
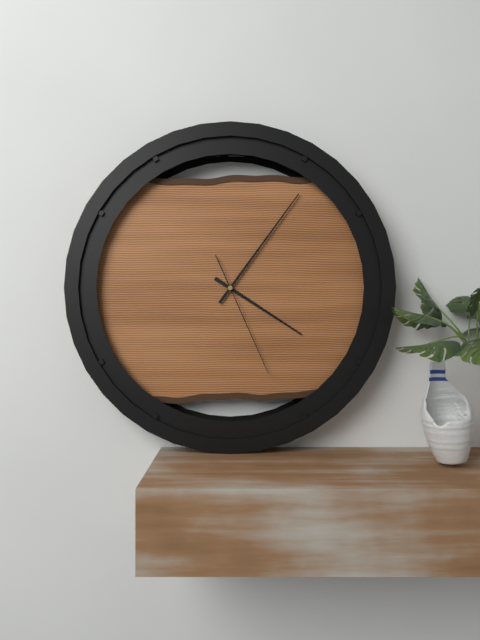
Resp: 4,06,26
